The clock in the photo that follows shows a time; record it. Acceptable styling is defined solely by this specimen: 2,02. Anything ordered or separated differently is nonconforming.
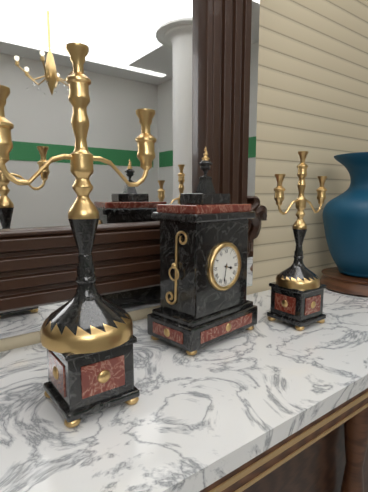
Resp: 3,32
